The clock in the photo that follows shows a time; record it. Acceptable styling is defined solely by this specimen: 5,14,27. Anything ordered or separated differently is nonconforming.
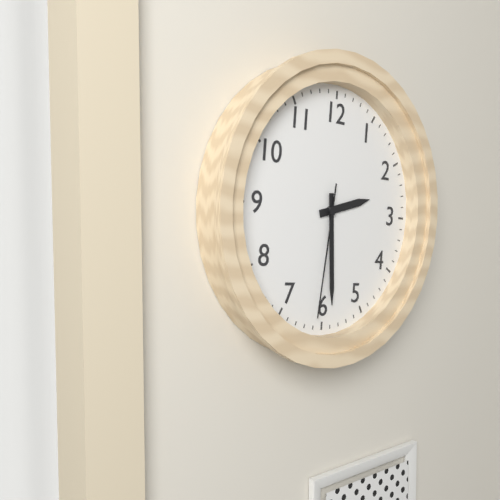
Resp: 2,29,31
